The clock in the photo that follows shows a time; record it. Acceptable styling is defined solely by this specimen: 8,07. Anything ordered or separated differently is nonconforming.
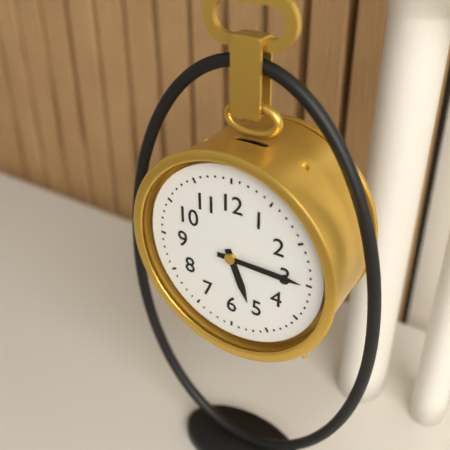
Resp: 5,15
